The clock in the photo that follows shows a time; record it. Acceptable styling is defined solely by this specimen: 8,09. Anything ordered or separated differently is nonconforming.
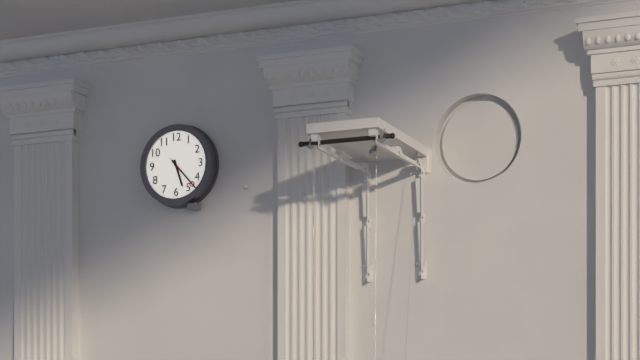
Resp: 5,23
